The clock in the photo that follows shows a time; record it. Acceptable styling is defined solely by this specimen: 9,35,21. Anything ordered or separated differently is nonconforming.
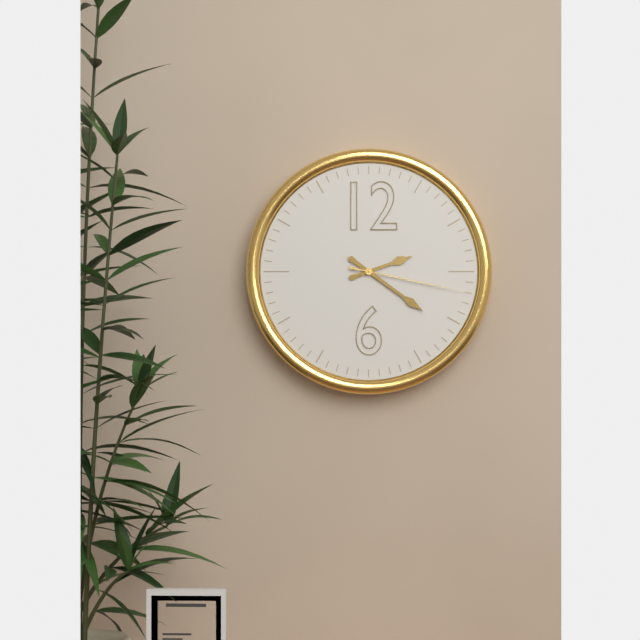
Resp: 2,21,17
